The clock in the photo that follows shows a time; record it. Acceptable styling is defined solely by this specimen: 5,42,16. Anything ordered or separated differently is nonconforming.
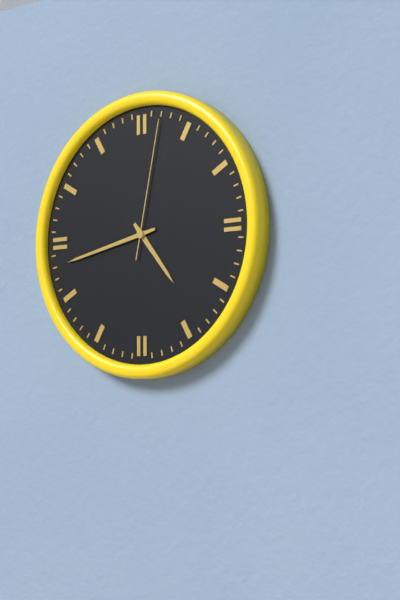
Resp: 4,43,02
